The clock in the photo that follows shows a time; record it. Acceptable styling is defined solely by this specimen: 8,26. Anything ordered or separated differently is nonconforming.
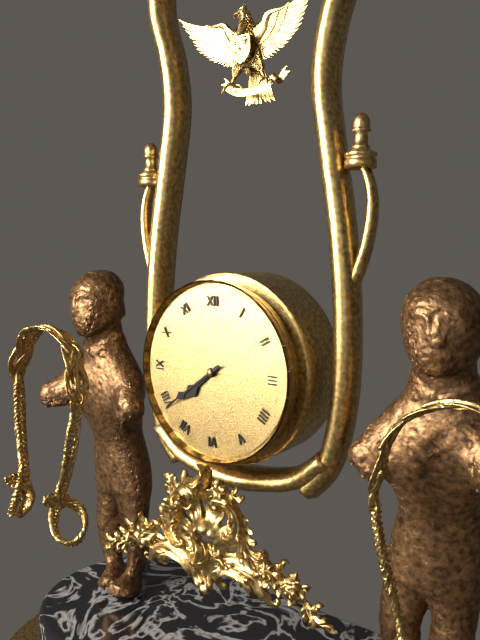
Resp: 7,39
